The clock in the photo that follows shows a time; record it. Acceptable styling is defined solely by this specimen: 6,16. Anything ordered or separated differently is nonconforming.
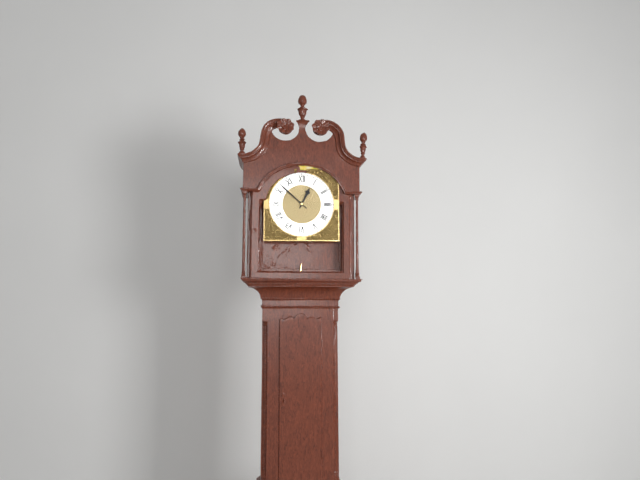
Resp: 12,52
